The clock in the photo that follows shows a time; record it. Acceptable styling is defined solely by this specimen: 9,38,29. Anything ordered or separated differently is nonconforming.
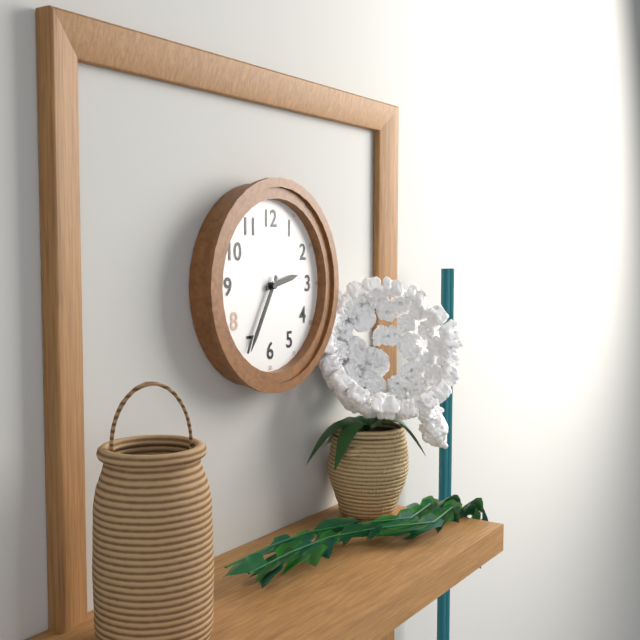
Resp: 2,35,57
